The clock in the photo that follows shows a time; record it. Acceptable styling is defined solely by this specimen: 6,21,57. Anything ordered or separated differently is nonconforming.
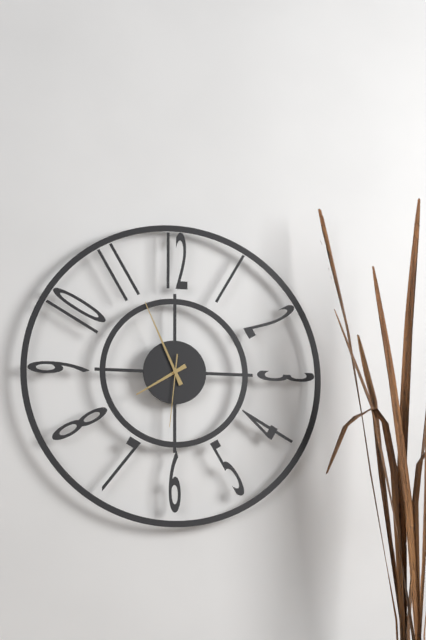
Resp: 7,56,31
